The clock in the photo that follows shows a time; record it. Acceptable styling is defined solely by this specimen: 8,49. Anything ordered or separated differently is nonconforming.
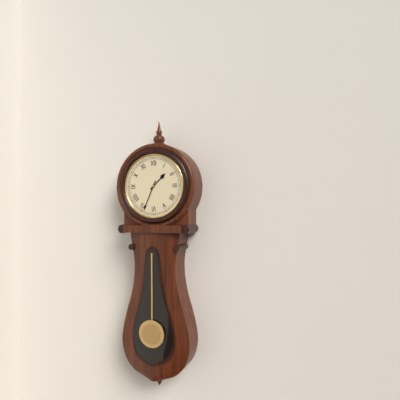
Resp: 1,34
